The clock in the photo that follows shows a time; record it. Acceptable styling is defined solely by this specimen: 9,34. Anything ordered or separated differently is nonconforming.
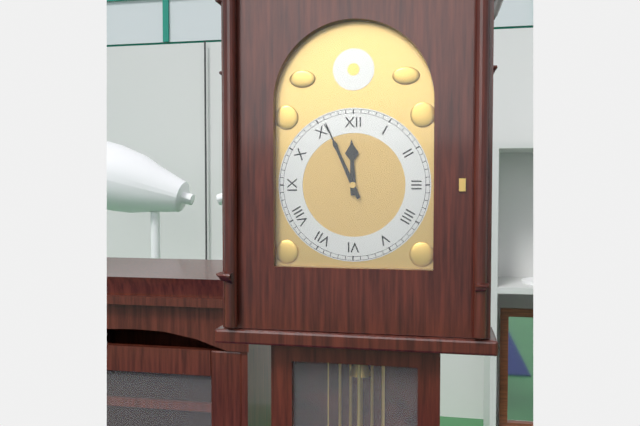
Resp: 11,56
